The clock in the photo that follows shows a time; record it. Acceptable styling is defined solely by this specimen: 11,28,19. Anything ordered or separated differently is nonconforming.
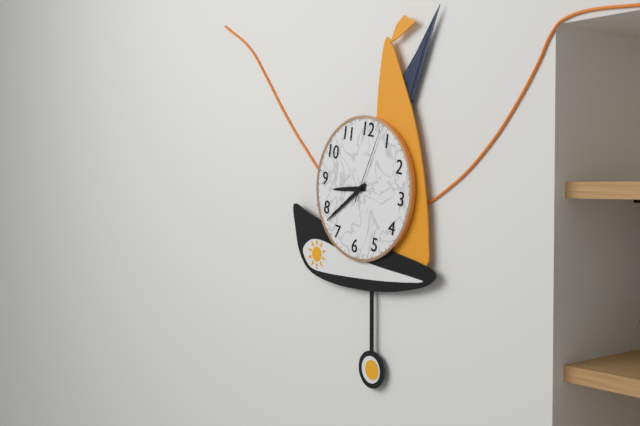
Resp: 8,38,03
